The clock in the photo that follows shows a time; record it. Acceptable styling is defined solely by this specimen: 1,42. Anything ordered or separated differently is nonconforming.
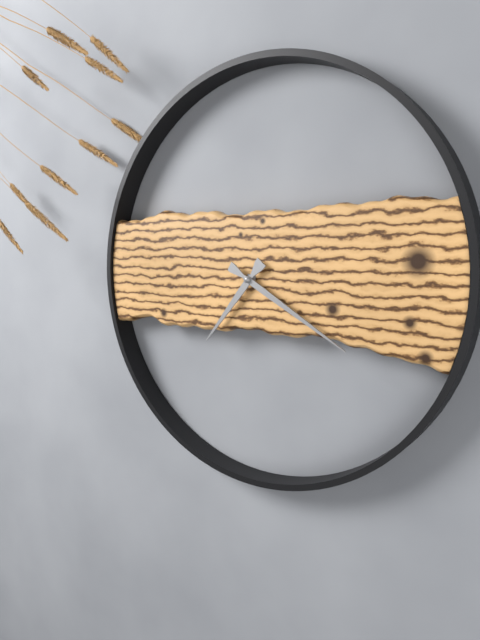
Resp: 7,20
